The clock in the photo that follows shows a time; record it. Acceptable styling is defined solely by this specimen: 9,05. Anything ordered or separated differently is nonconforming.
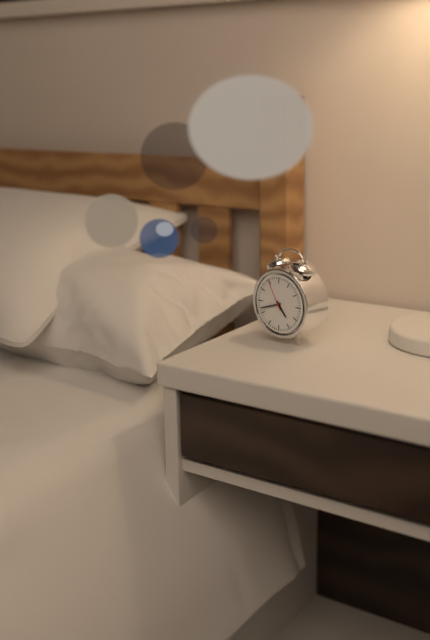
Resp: 4,42
